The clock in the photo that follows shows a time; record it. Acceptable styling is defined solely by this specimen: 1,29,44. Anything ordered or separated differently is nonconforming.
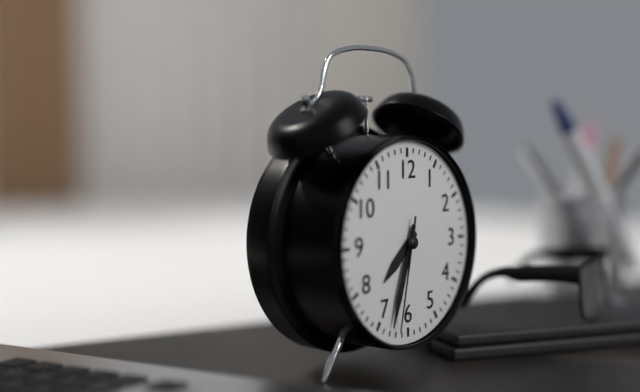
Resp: 7,33,32
